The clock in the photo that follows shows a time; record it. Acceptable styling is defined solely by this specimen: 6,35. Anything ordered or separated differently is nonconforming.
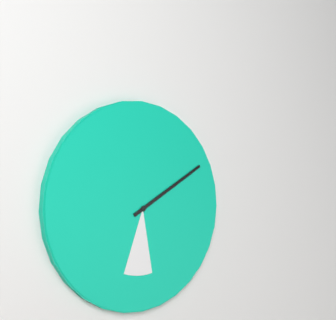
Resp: 6,10
